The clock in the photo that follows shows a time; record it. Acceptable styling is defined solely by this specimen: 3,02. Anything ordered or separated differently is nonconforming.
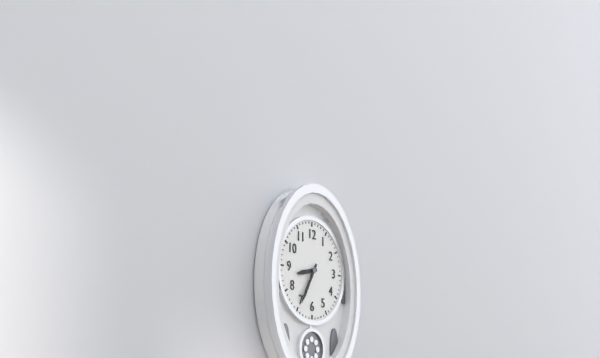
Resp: 8,35
